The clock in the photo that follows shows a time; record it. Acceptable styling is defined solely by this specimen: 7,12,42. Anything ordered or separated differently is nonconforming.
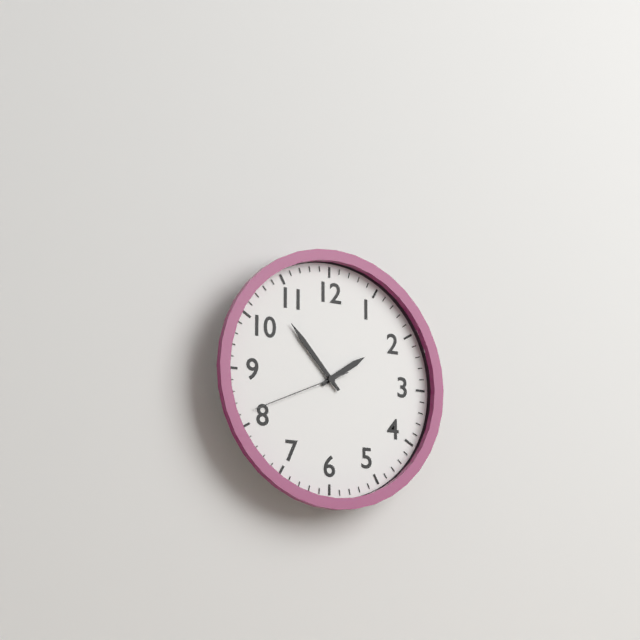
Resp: 1,53,41
